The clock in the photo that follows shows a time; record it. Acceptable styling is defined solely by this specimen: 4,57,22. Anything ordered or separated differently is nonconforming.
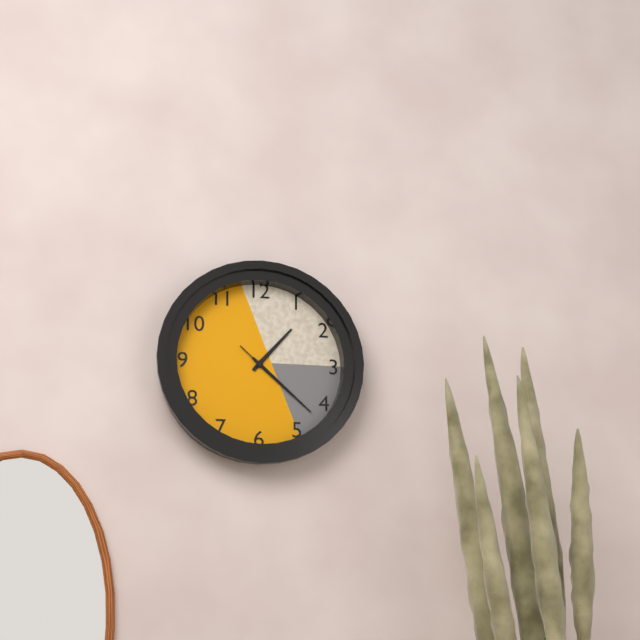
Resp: 1,22,22
